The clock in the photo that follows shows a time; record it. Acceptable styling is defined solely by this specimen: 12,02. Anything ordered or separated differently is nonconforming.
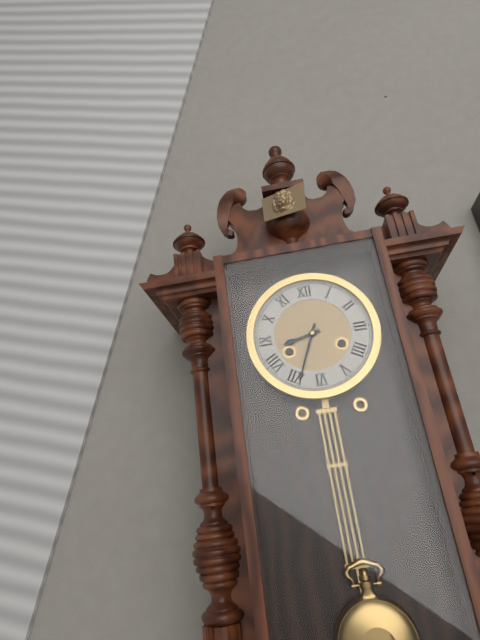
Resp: 8,34
